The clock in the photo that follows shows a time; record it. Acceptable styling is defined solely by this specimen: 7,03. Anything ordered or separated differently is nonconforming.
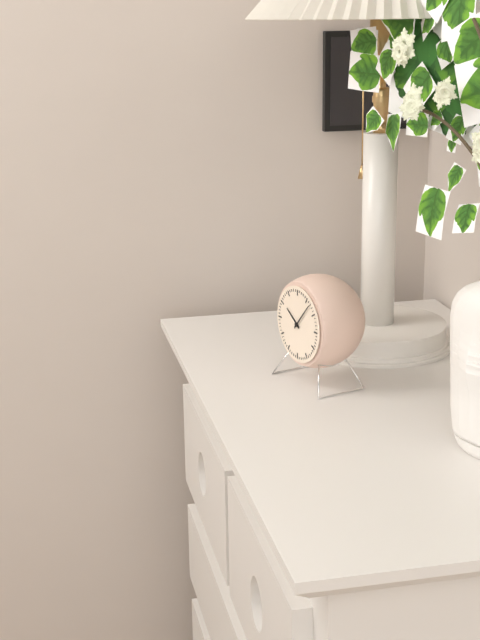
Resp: 10,07
